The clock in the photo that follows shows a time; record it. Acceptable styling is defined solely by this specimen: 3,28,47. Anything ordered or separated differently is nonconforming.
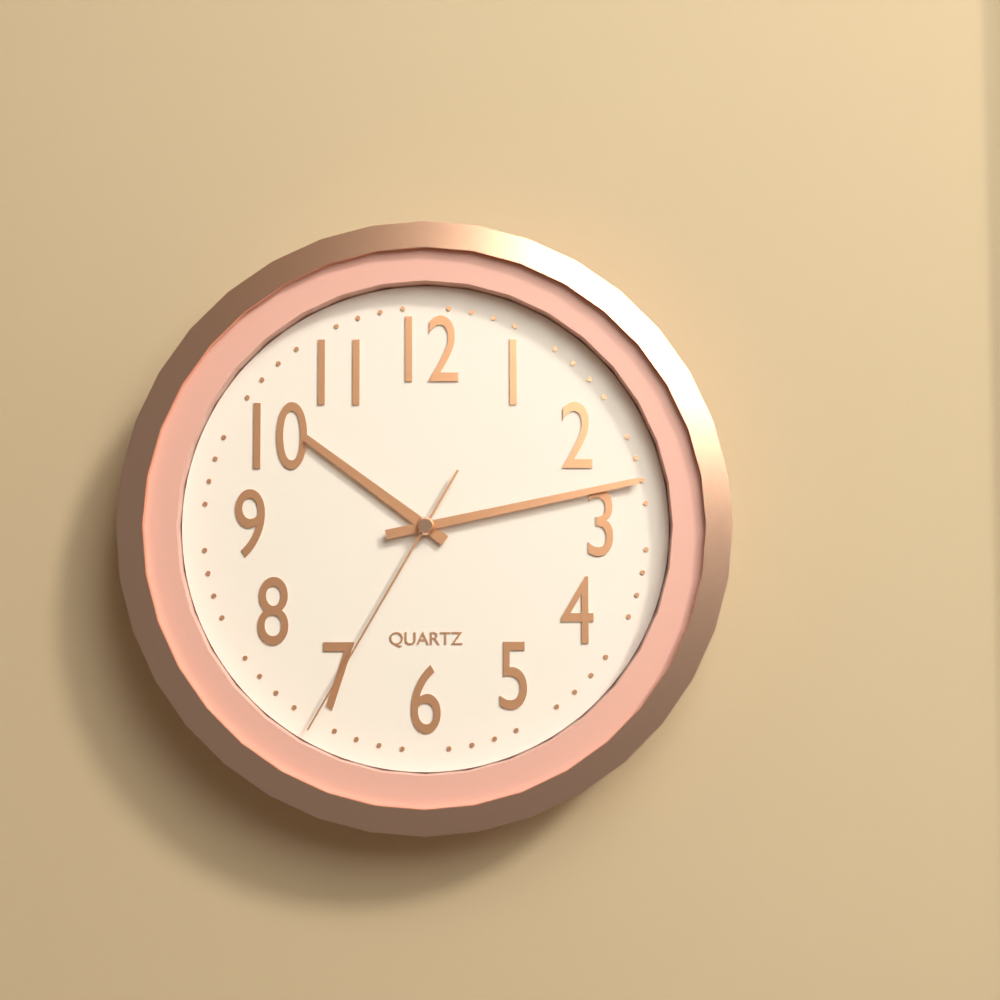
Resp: 10,13,35
